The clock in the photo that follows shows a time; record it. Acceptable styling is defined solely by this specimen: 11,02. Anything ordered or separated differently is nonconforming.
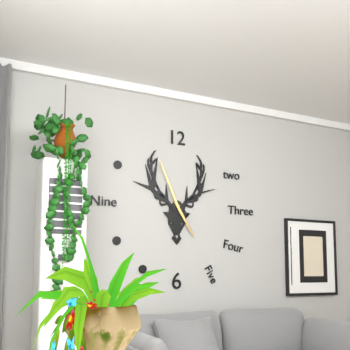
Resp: 4,56
